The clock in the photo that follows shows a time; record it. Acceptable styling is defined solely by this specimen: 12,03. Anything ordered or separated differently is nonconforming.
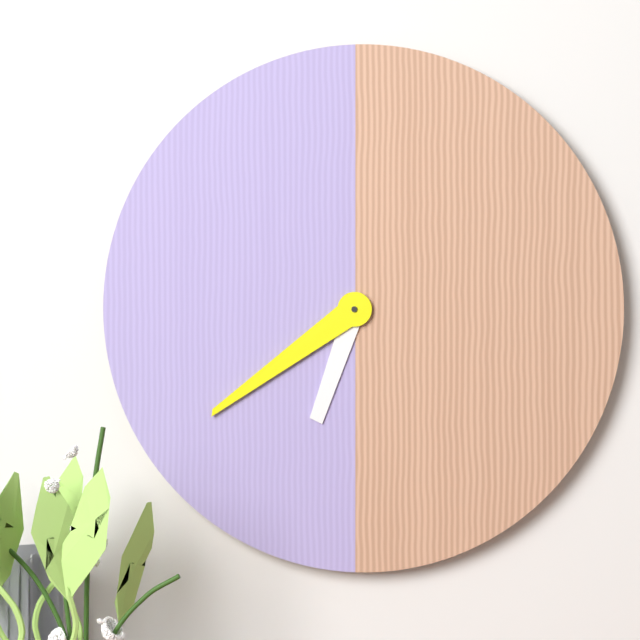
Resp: 6,39
